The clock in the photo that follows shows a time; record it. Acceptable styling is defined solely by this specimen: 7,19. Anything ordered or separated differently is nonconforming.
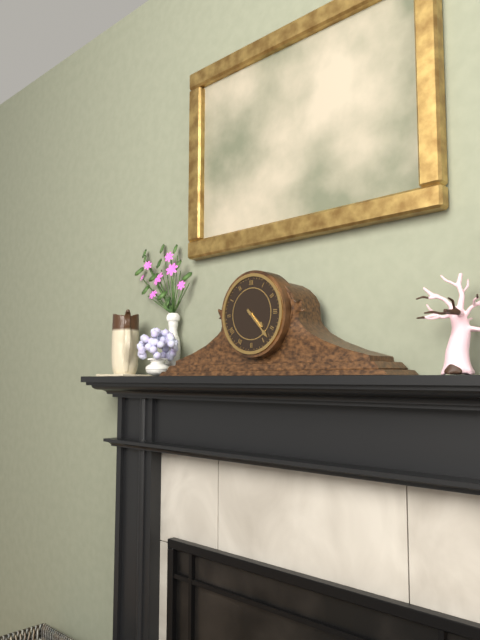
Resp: 4,23
